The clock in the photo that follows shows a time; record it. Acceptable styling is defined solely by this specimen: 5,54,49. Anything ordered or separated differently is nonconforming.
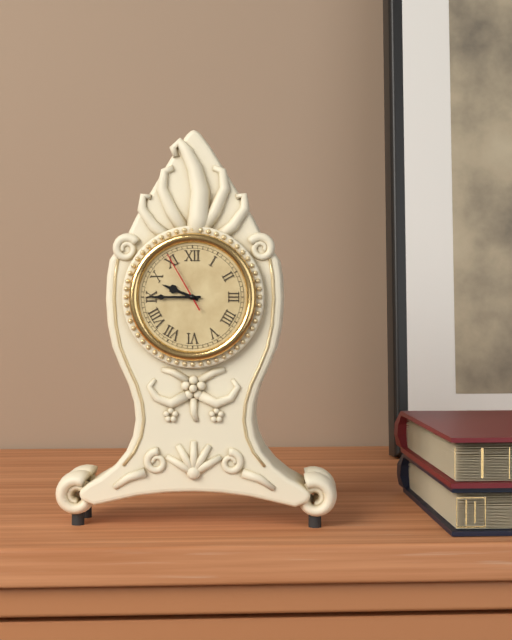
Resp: 9,45,55
